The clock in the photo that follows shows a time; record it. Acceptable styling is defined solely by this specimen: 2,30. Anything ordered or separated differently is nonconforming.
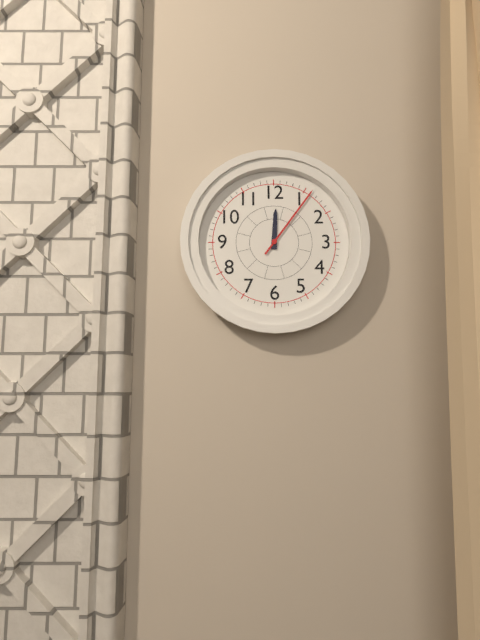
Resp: 12,06
